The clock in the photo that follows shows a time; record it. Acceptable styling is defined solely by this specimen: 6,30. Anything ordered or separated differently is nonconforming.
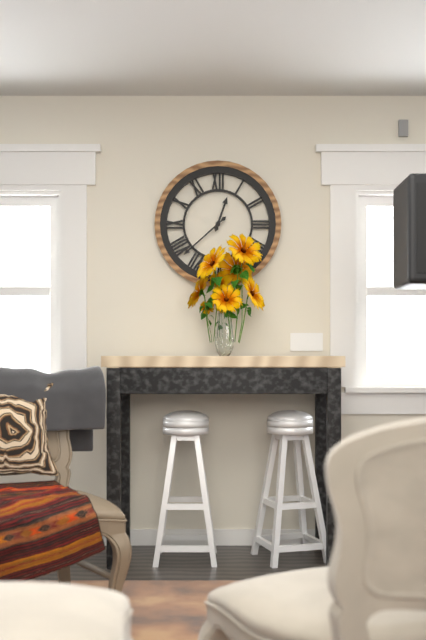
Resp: 12,38
